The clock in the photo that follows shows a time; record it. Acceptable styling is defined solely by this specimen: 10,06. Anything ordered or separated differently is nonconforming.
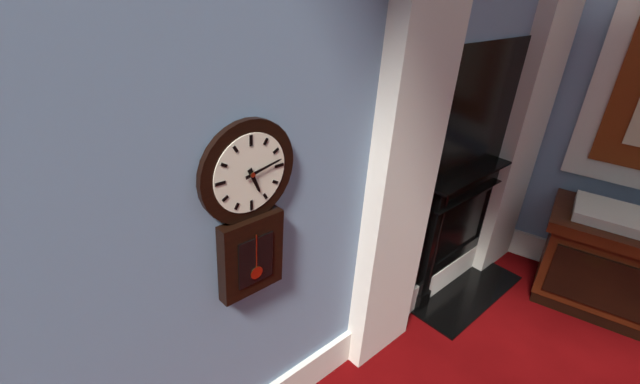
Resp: 5,13
